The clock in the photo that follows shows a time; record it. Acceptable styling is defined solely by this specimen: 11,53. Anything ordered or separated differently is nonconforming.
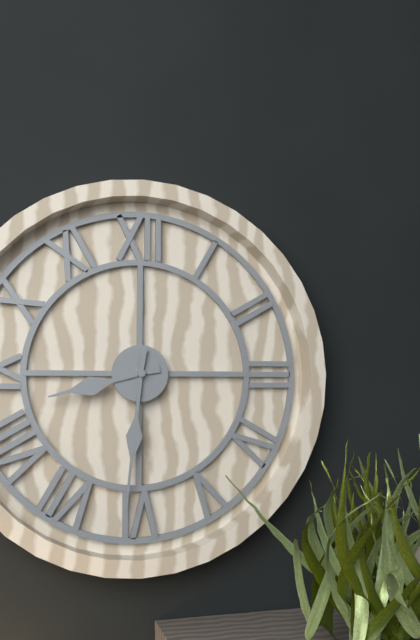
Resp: 8,31
